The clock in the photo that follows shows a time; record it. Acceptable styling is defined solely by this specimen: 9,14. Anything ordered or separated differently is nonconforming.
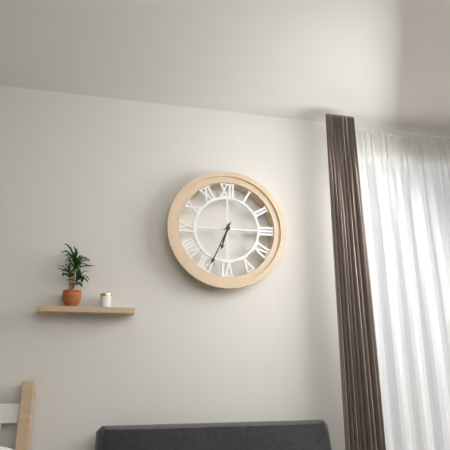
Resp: 6,34
